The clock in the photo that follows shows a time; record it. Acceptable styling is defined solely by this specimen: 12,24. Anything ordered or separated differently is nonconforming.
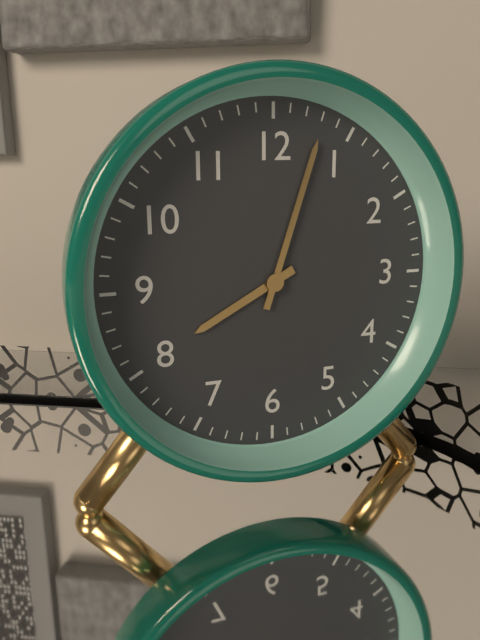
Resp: 8,03
